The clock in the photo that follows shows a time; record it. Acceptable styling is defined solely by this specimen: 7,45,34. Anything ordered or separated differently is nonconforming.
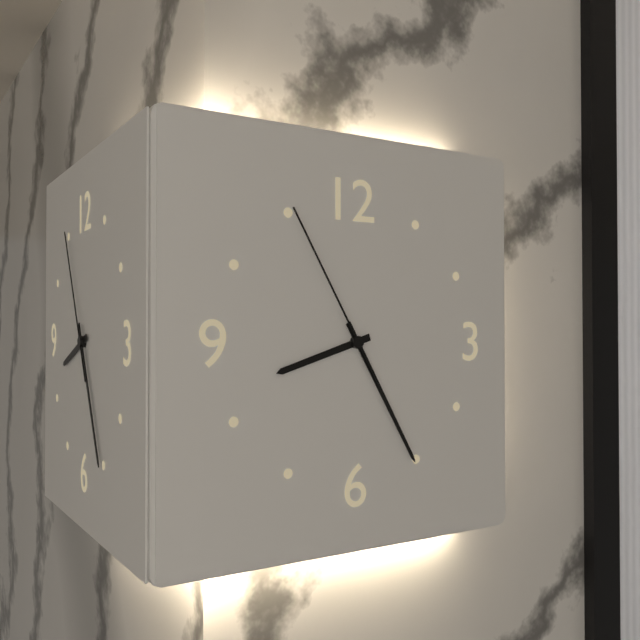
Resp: 8,25,55
